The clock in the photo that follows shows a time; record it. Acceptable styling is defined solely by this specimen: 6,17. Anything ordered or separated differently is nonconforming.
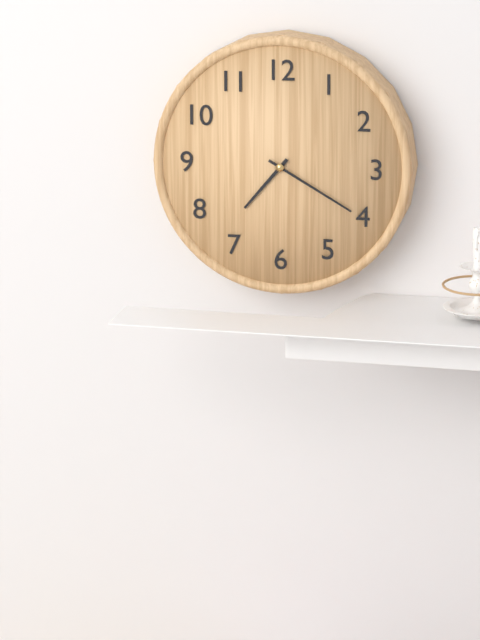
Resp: 7,20
